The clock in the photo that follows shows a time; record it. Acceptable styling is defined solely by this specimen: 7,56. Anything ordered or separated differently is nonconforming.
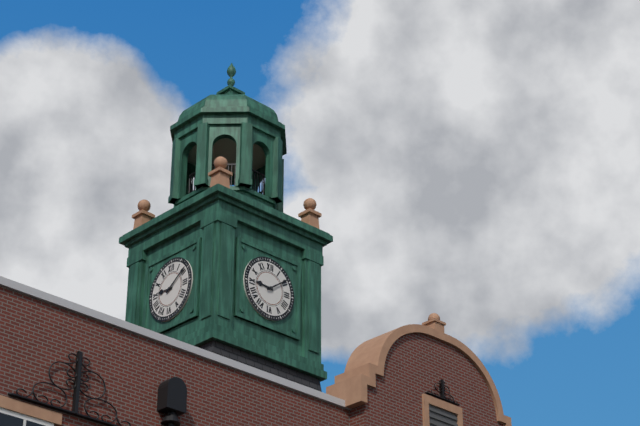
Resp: 9,09
